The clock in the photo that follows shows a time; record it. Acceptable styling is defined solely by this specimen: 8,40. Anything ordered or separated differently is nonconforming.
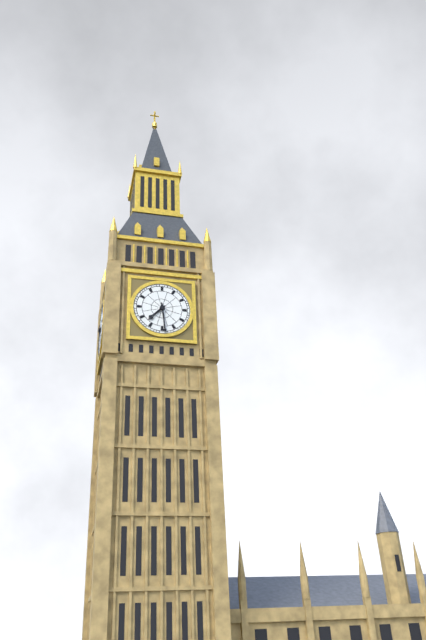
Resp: 7,29
